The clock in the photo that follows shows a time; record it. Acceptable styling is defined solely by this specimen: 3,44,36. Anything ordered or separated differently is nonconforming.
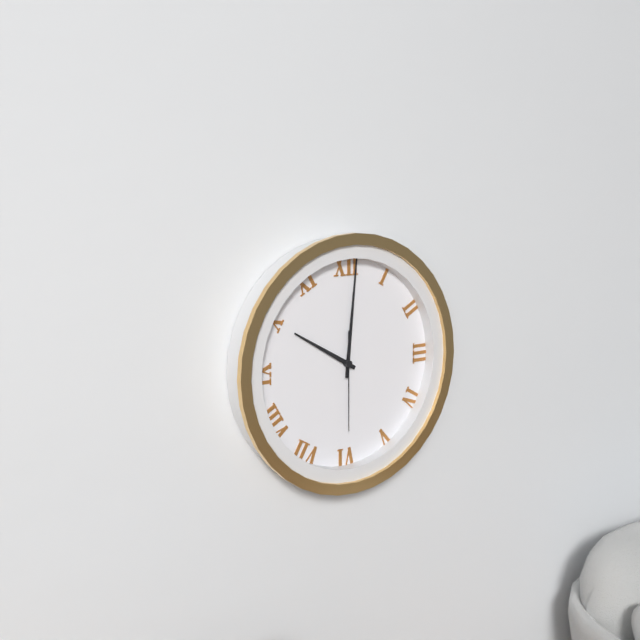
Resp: 10,01,30
